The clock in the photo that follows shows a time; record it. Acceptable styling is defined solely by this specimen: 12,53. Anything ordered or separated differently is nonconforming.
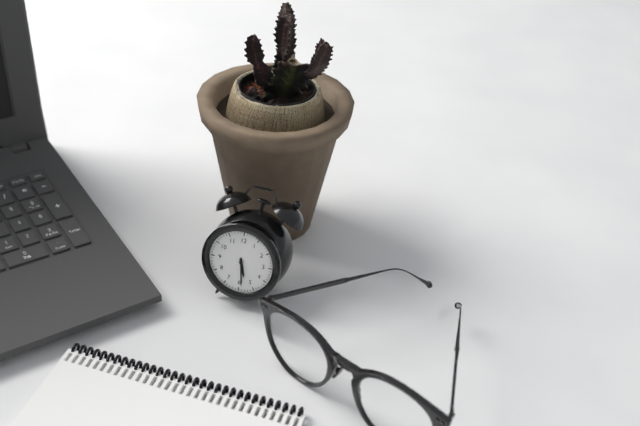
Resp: 5,29
